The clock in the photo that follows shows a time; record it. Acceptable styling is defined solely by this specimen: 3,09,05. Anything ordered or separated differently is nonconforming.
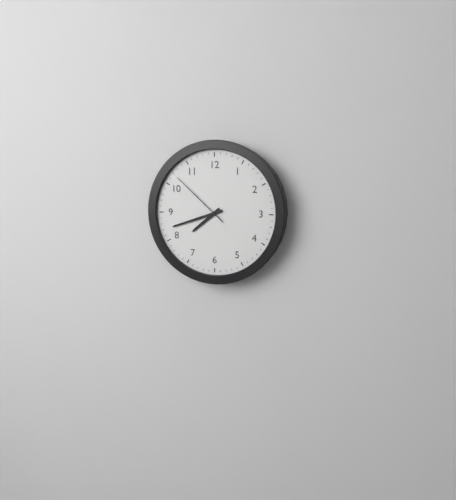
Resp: 7,42,52
